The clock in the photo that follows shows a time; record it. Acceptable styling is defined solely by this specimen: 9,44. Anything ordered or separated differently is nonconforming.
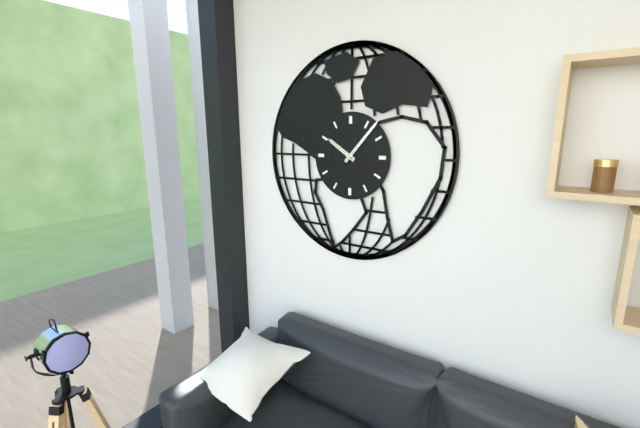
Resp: 10,07
